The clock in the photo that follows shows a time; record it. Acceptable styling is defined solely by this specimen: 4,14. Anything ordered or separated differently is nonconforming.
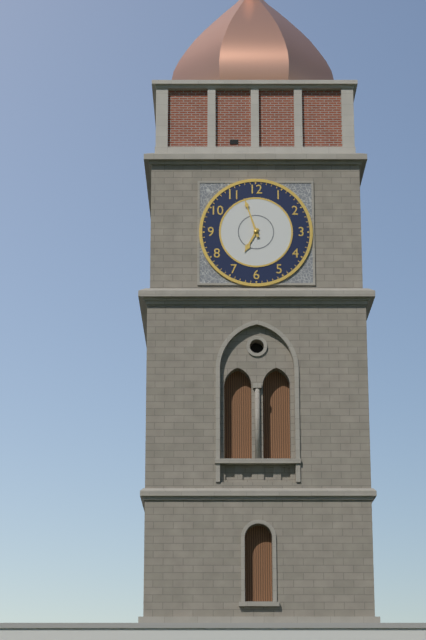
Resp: 6,57
